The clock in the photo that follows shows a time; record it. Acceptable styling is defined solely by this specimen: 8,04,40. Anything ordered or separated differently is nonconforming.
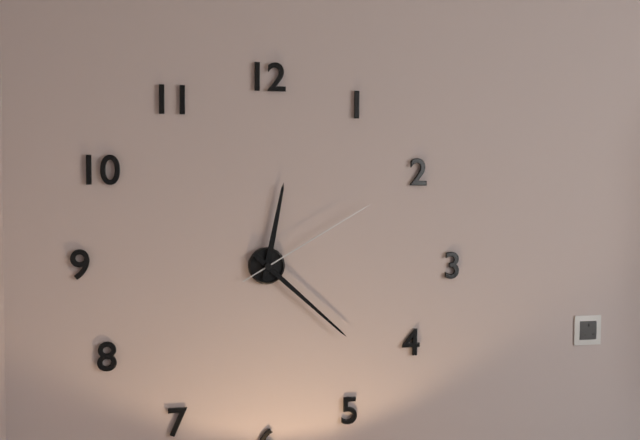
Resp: 12,22,10
